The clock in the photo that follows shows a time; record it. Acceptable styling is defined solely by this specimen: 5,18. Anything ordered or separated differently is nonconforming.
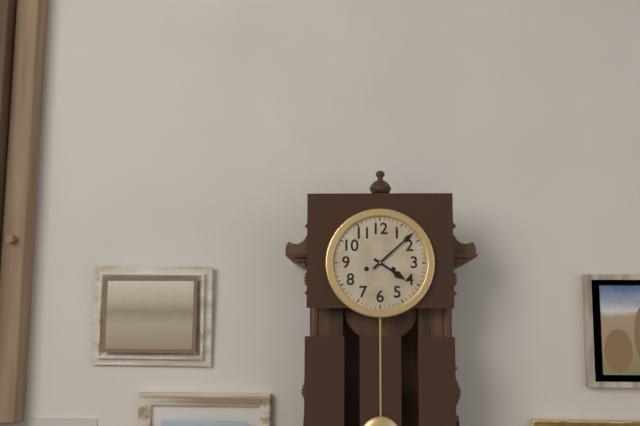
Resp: 4,08
